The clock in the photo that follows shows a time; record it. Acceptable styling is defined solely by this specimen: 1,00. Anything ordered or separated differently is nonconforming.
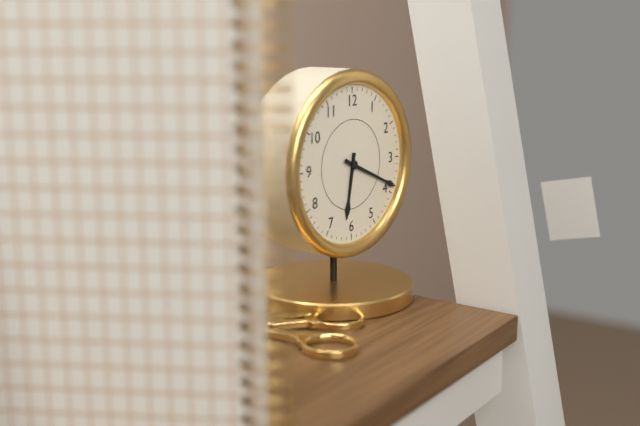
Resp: 6,19
